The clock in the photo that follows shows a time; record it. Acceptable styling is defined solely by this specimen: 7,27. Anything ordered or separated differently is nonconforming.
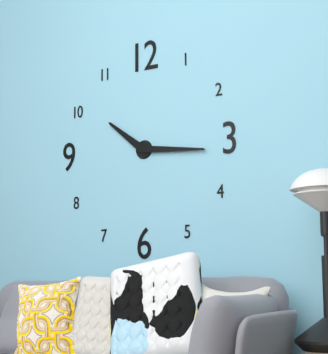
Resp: 10,16
